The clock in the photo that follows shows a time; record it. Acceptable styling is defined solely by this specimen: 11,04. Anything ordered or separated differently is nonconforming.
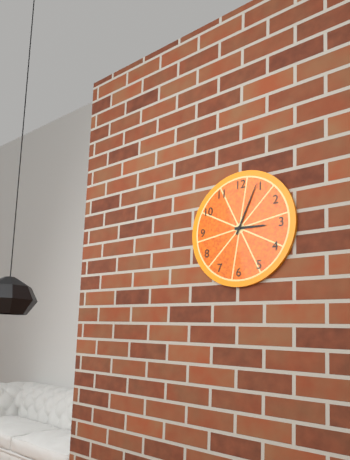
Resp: 3,04
